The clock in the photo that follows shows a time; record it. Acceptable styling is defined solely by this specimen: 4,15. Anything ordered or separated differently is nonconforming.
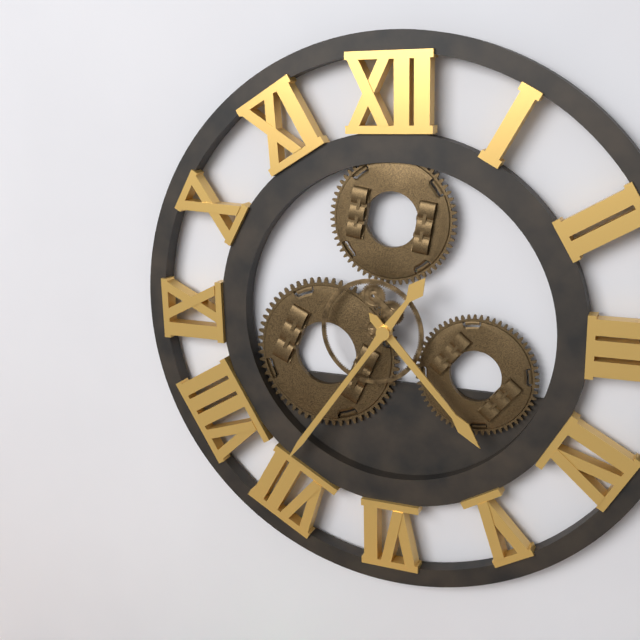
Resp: 4,36
